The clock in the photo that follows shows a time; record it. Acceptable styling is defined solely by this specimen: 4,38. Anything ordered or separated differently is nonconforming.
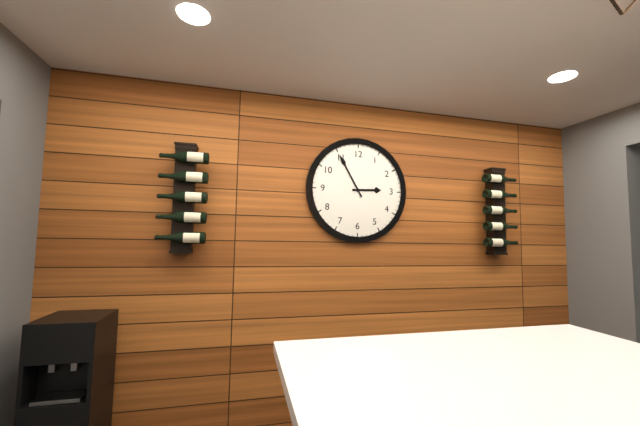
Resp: 2,55
